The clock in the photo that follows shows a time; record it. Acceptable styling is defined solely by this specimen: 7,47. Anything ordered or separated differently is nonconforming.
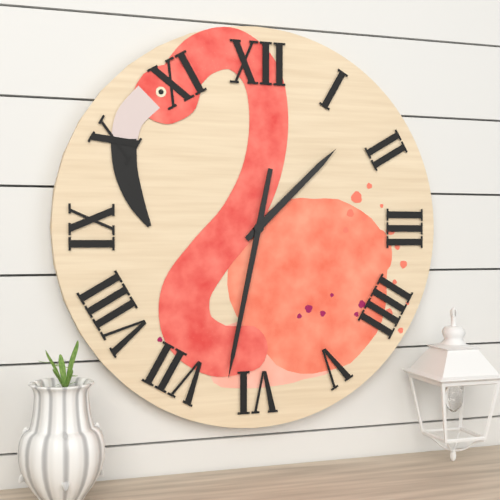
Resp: 1,32
